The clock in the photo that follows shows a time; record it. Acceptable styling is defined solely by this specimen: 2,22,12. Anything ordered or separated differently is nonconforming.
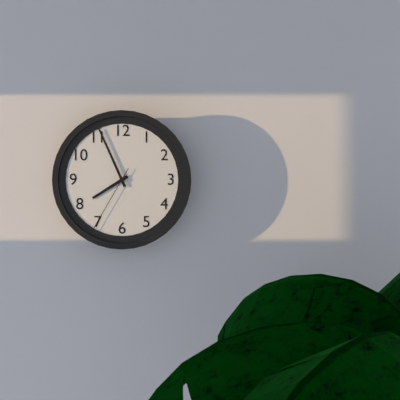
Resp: 7,56,35
